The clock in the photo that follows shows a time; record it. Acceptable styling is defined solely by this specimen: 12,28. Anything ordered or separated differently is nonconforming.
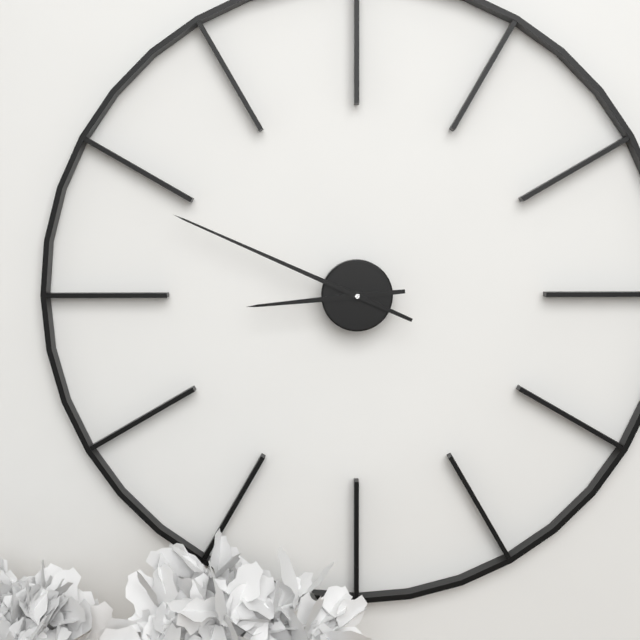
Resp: 8,49
